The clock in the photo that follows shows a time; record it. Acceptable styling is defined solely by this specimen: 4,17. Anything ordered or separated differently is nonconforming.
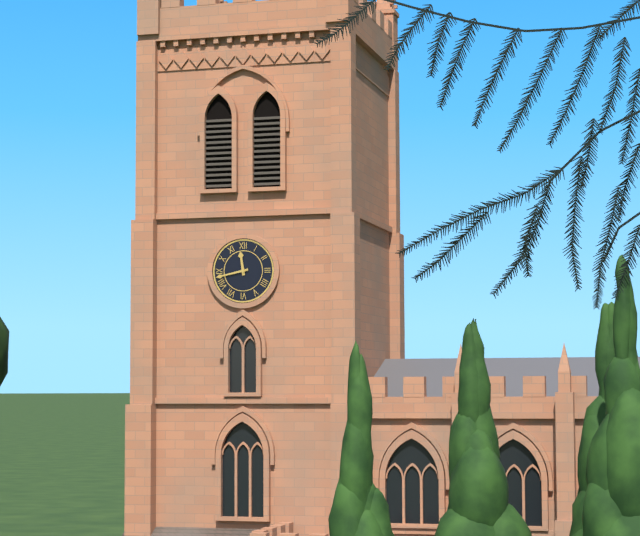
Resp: 11,43
